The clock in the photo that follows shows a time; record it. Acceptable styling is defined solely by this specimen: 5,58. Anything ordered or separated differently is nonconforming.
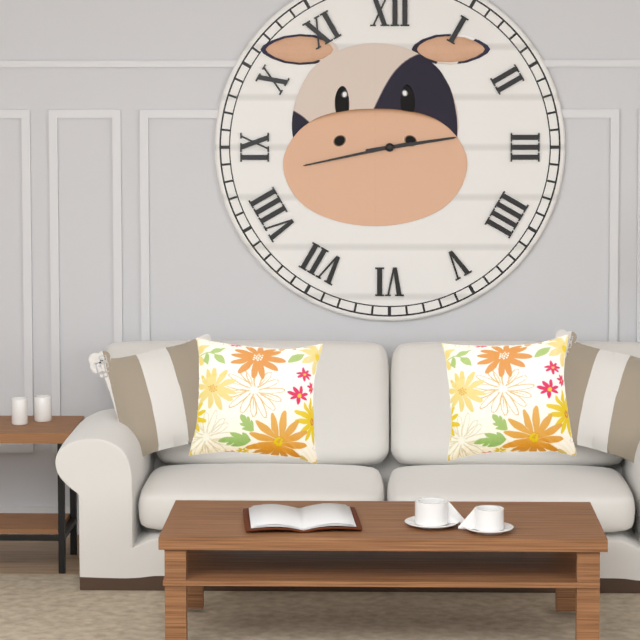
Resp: 2,43
